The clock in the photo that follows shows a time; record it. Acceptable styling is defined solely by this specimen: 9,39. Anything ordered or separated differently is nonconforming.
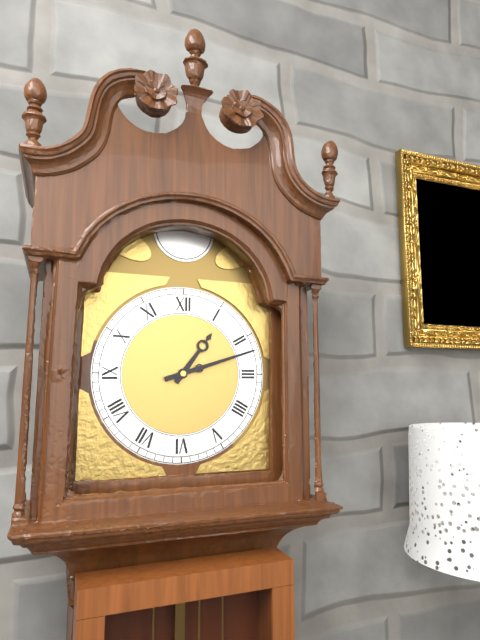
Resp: 1,12
